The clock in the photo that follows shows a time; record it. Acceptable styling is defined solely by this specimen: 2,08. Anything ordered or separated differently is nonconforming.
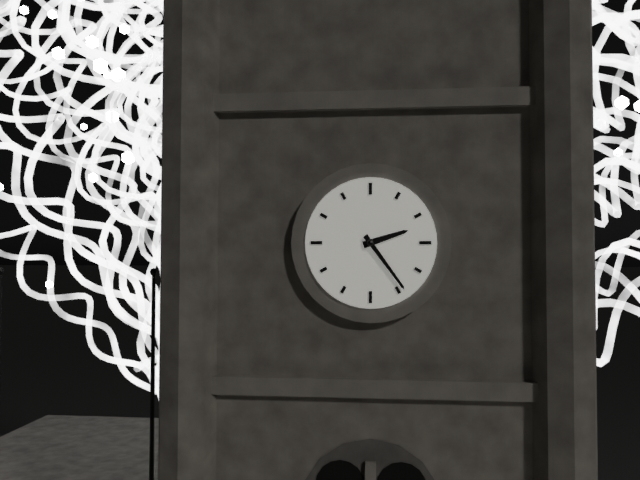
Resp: 2,24
